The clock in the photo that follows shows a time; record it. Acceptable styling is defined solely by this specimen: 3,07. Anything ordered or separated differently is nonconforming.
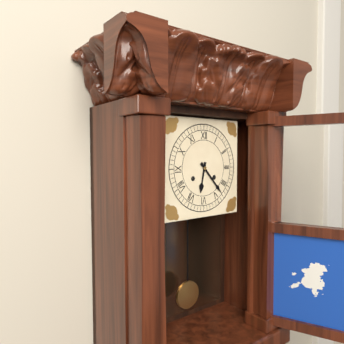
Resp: 6,23
